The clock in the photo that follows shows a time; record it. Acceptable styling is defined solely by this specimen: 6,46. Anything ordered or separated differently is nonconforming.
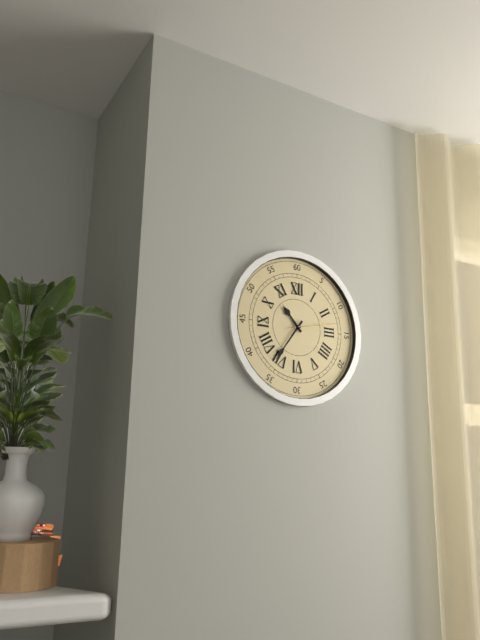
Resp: 10,36
